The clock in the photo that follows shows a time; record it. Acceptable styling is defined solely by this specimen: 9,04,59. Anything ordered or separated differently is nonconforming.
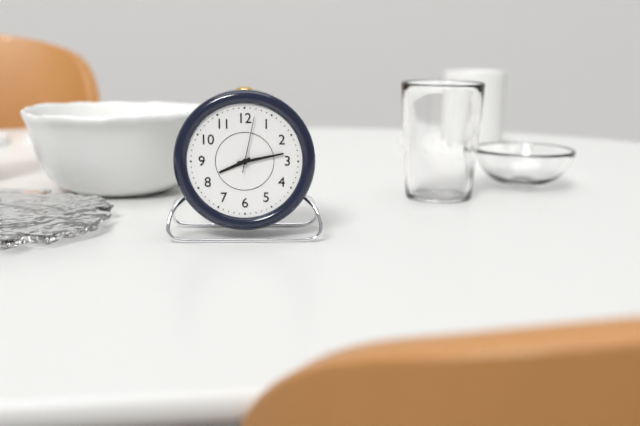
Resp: 8,13,02
